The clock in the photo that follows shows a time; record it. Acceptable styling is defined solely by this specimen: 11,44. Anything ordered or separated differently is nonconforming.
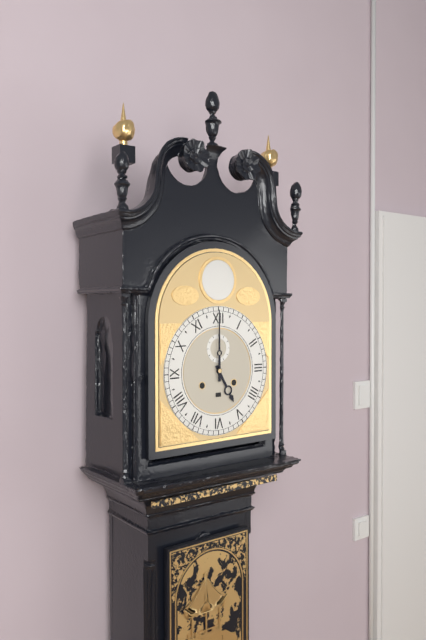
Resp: 5,00
